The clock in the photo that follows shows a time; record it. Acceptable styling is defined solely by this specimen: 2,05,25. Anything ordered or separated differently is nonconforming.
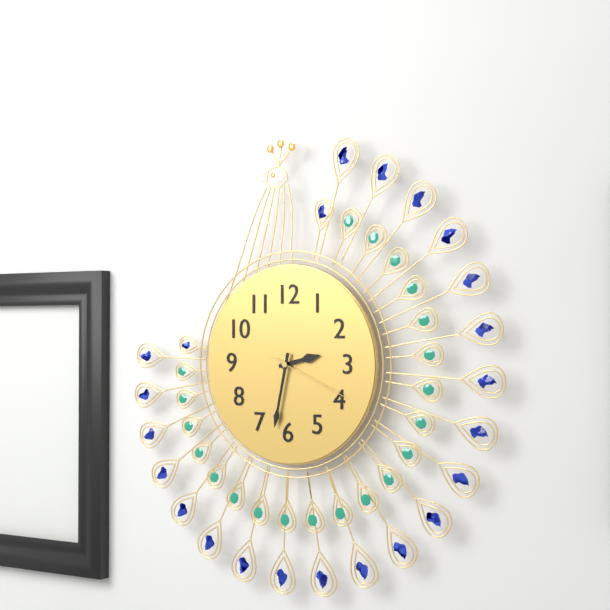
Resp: 2,32,19
